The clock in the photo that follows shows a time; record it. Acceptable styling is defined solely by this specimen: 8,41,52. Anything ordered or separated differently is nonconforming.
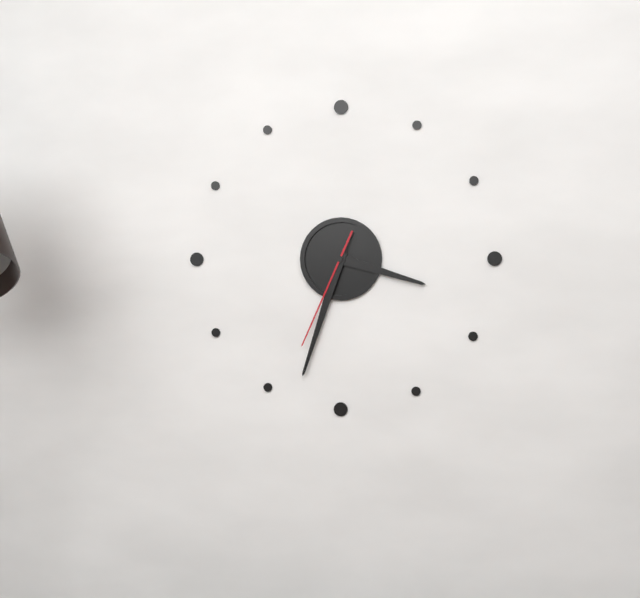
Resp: 3,33,34
